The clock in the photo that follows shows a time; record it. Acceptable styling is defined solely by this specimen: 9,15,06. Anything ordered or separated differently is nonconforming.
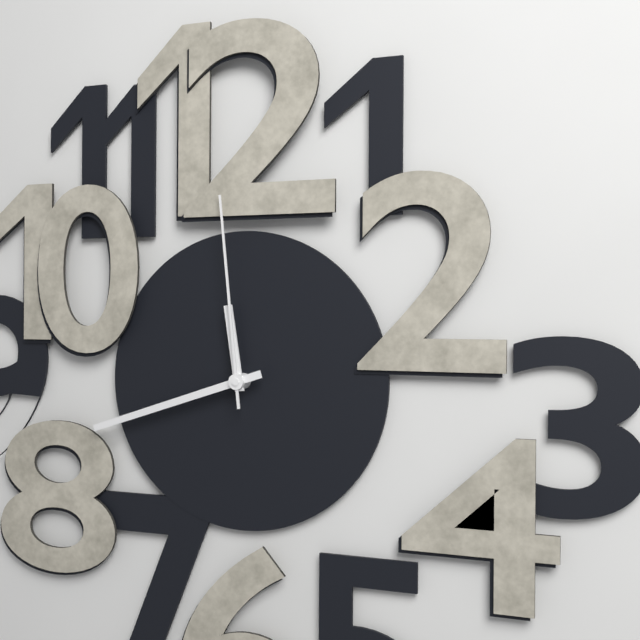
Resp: 11,42,59
